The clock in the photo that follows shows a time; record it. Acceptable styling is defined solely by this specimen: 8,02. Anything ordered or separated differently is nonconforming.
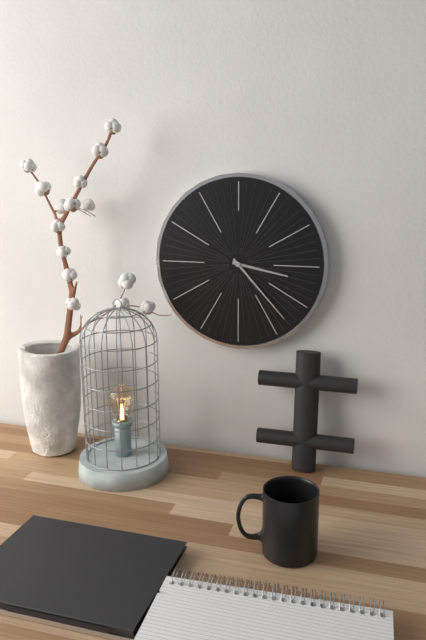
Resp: 3,23
